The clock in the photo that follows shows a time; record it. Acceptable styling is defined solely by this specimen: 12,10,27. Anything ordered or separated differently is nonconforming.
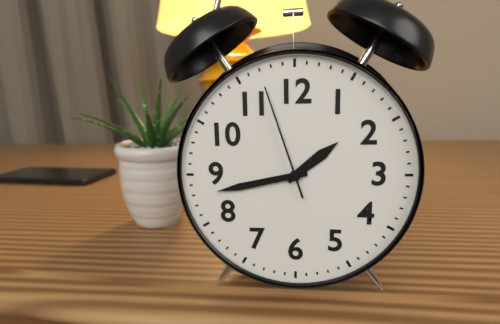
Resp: 1,43,57
